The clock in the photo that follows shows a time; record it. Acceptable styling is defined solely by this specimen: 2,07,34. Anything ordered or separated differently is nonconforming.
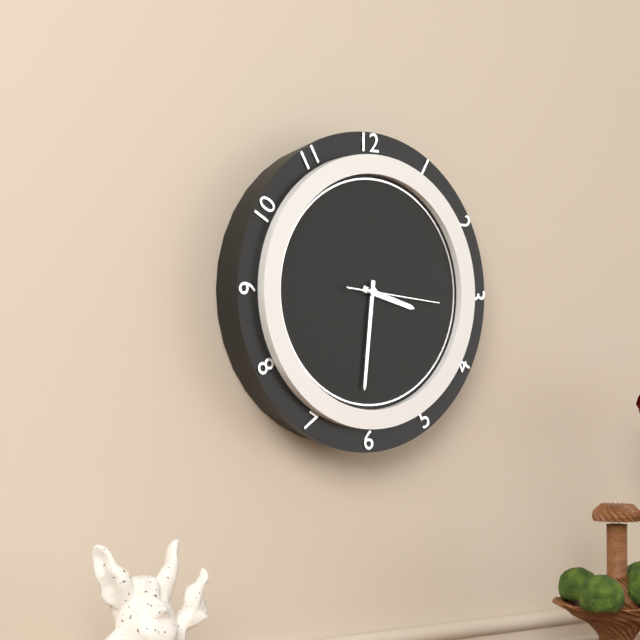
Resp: 3,31,16
